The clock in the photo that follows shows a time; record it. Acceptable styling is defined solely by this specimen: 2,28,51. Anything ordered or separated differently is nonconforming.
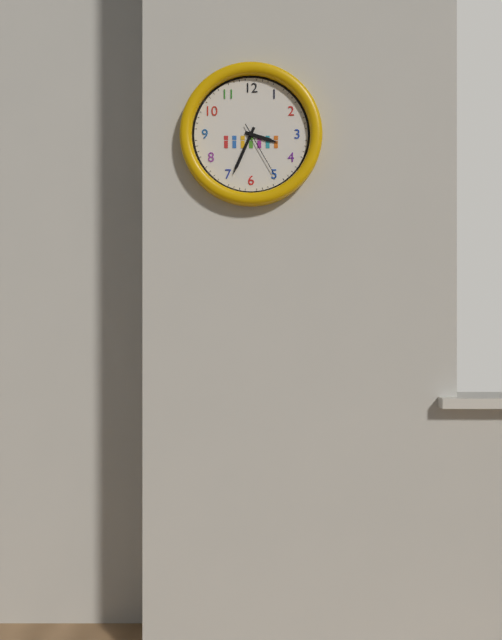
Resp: 3,34,25
